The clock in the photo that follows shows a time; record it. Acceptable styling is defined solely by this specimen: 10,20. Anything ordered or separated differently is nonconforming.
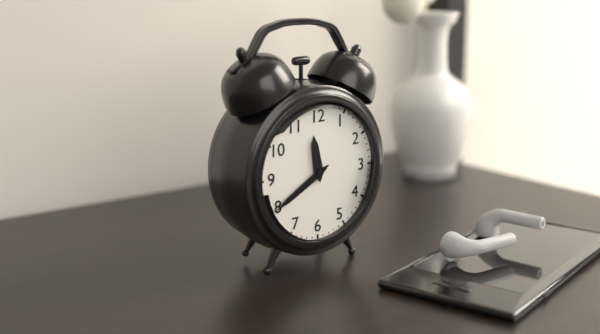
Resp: 11,40
